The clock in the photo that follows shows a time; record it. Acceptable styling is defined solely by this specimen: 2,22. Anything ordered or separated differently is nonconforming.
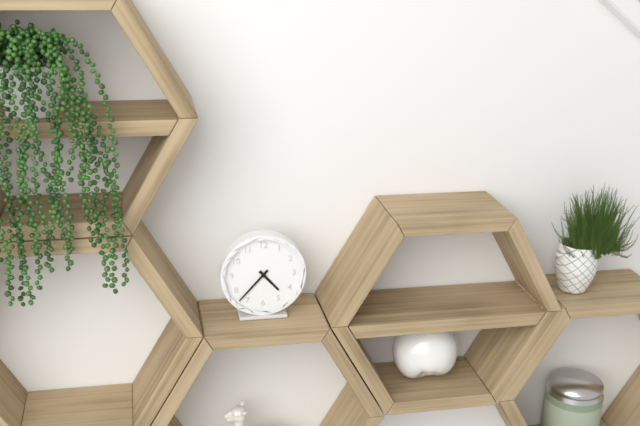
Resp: 4,37
